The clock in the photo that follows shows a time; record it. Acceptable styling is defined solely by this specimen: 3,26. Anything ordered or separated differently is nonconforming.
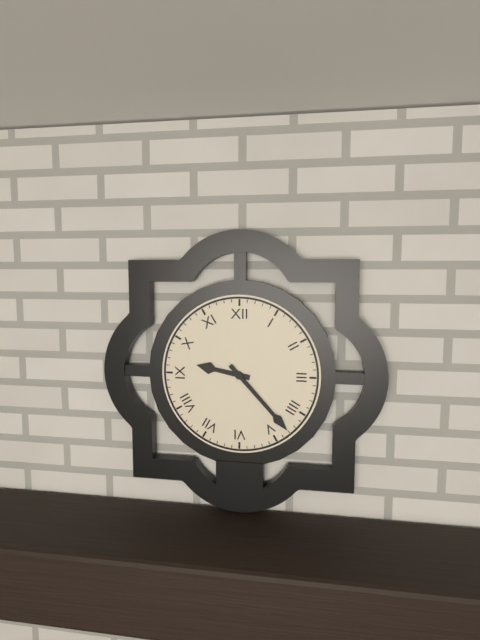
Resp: 9,23
